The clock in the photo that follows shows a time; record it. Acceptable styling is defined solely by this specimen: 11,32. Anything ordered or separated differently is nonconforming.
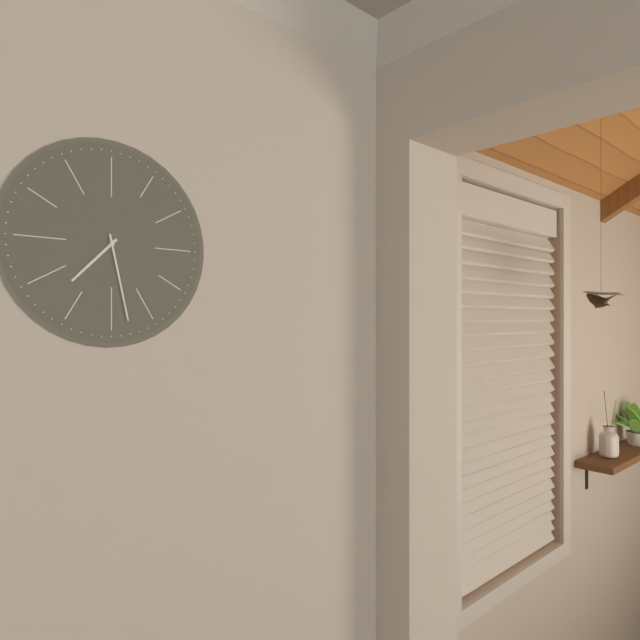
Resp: 7,28
